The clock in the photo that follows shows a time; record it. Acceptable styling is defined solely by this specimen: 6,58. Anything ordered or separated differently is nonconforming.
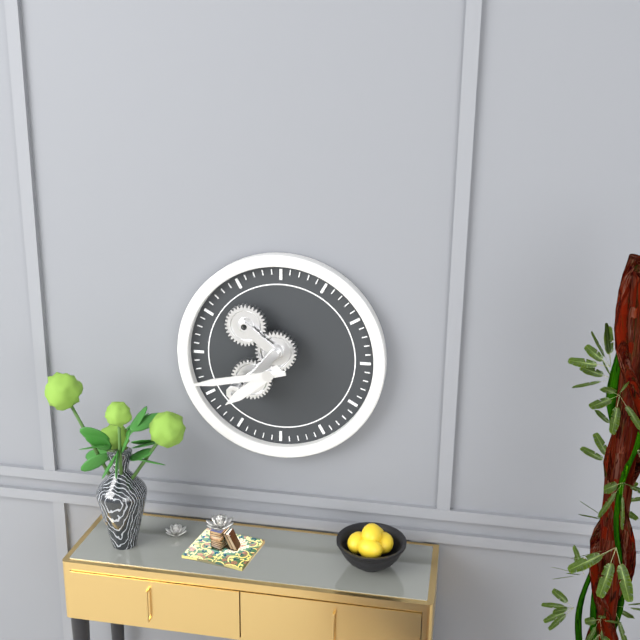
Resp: 7,43
